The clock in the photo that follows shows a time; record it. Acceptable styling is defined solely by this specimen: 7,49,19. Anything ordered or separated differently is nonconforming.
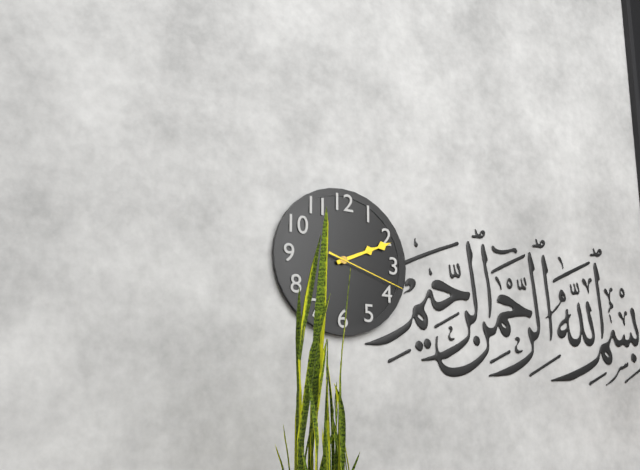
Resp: 2,11,18
